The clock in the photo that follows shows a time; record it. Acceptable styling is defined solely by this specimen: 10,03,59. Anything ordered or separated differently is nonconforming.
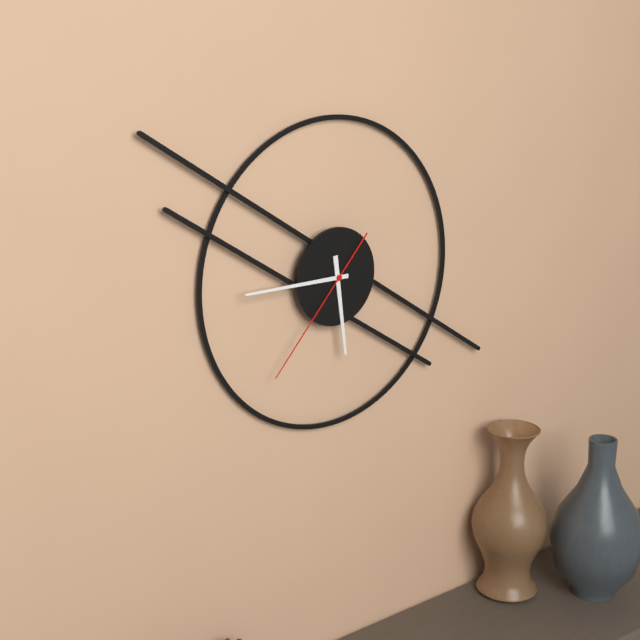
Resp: 5,45,37
